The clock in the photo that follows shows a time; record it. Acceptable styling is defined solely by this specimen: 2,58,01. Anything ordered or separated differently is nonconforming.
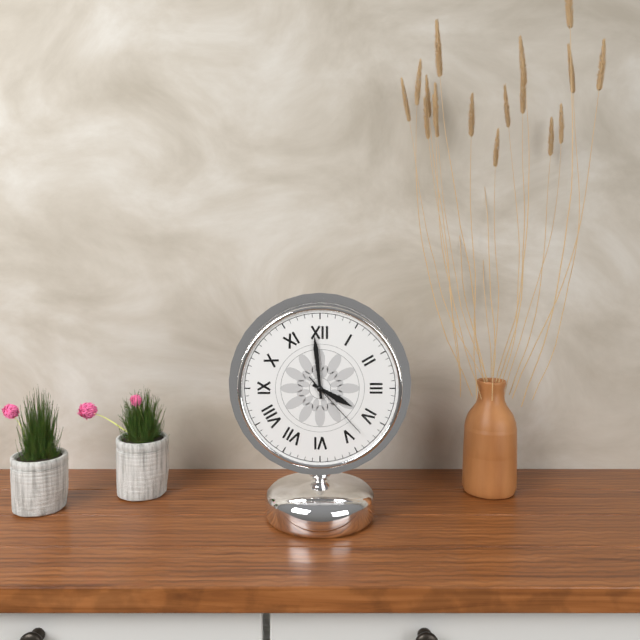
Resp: 3,59,23
